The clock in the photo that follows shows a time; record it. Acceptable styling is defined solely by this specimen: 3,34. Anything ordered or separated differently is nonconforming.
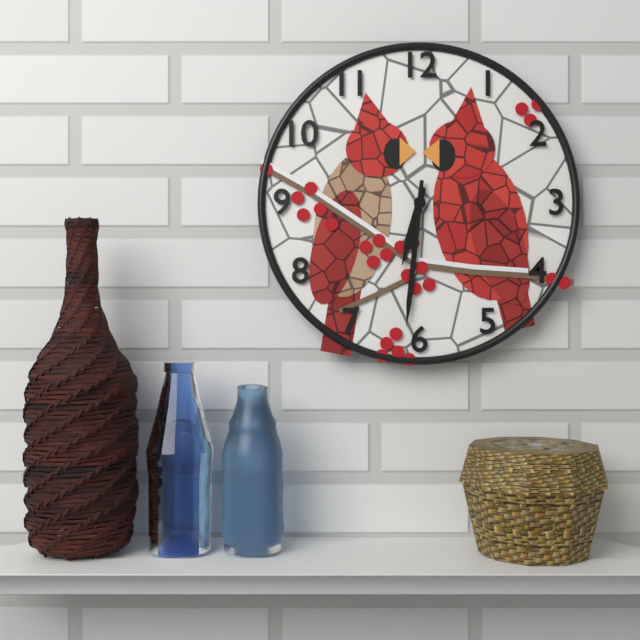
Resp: 6,31
